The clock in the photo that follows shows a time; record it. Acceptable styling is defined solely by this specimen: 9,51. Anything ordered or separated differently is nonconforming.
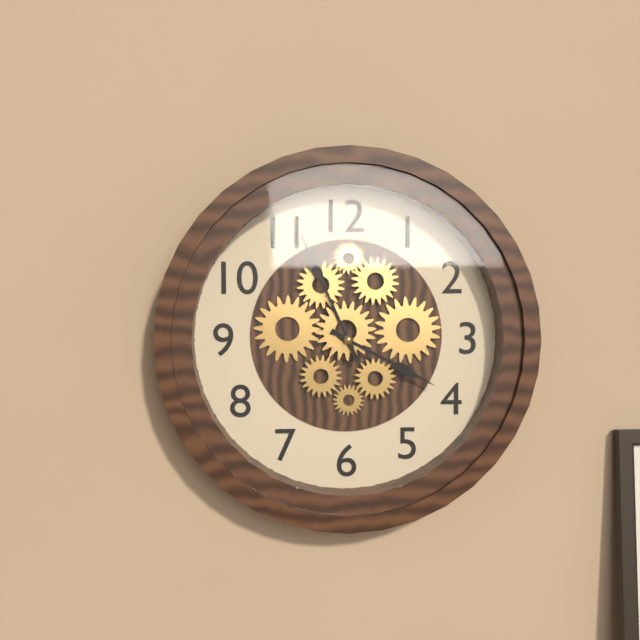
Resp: 3,56
